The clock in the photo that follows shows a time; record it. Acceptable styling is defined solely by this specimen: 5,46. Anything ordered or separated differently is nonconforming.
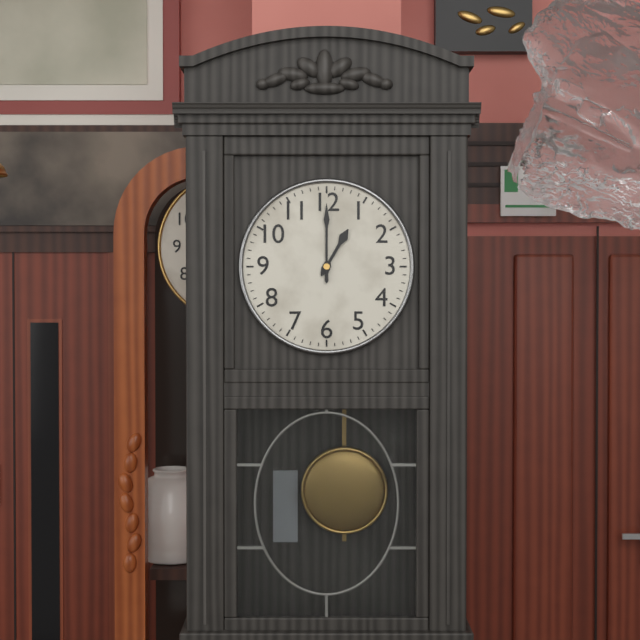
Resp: 1,00
